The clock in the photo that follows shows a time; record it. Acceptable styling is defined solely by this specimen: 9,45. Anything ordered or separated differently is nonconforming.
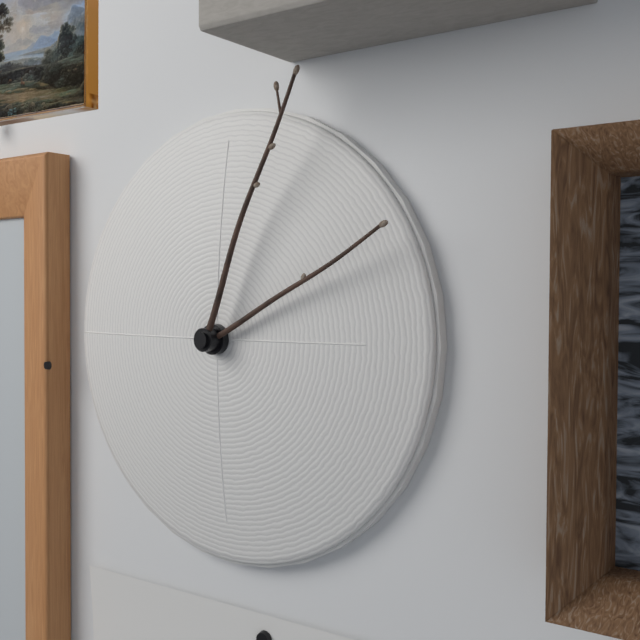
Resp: 2,04
